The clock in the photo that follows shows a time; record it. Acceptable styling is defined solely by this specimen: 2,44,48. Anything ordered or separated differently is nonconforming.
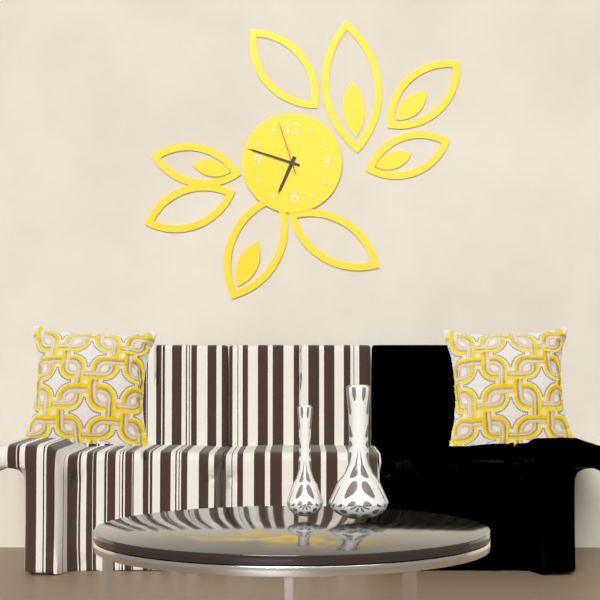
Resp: 6,48,57
